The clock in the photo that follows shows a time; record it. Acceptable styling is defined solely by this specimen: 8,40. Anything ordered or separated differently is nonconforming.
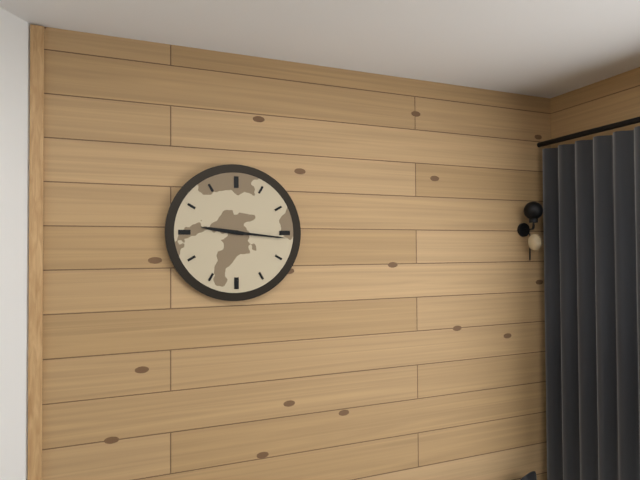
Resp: 9,16
